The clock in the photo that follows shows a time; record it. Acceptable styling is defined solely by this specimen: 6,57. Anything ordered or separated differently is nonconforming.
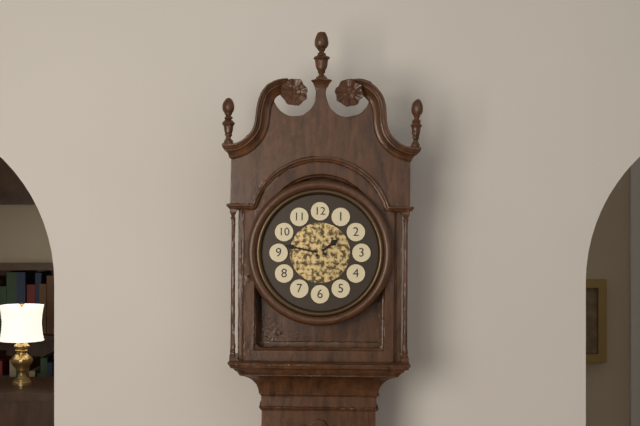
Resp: 1,47
